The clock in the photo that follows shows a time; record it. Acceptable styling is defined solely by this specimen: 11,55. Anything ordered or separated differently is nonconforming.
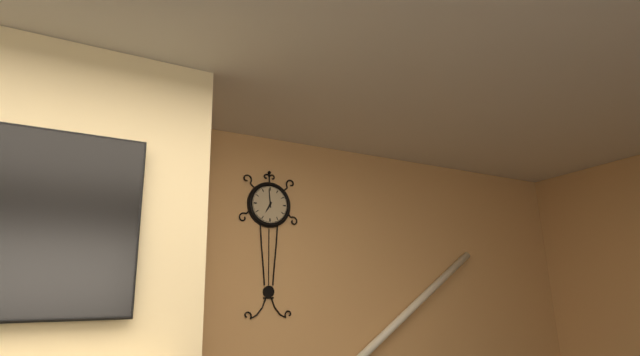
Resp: 6,59
